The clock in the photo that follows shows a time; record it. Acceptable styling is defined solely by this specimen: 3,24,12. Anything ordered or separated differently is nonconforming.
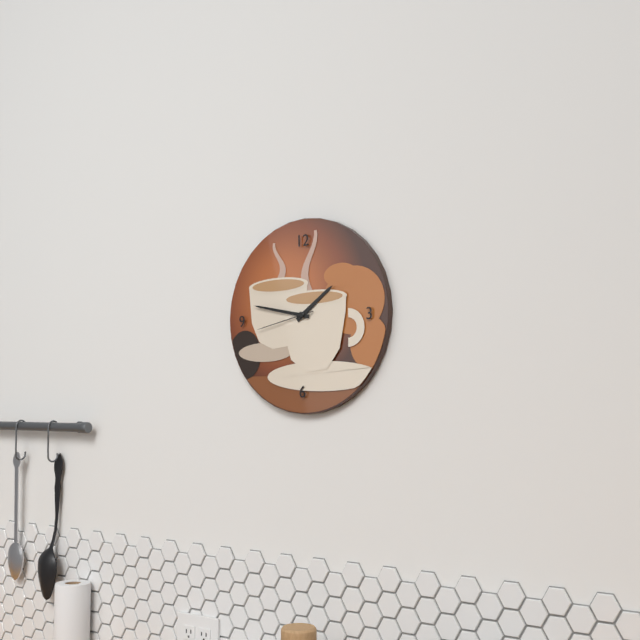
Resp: 1,47,43
